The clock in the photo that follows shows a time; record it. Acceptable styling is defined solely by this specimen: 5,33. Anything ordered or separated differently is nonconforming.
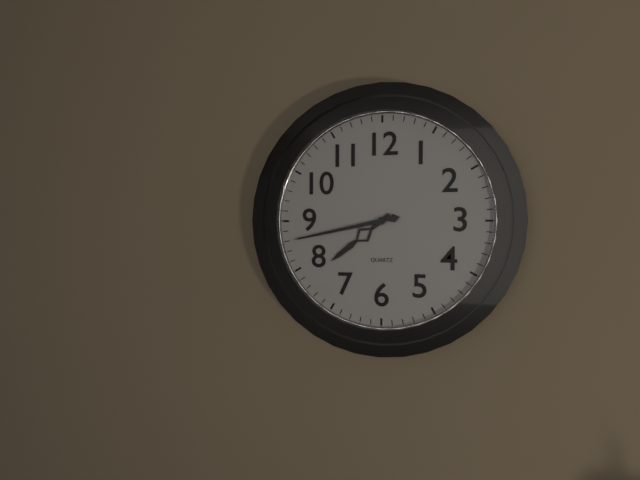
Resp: 7,43
